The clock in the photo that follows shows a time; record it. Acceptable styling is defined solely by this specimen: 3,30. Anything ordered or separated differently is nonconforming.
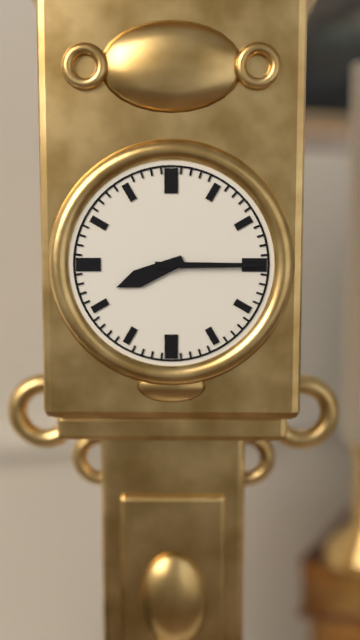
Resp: 8,15
